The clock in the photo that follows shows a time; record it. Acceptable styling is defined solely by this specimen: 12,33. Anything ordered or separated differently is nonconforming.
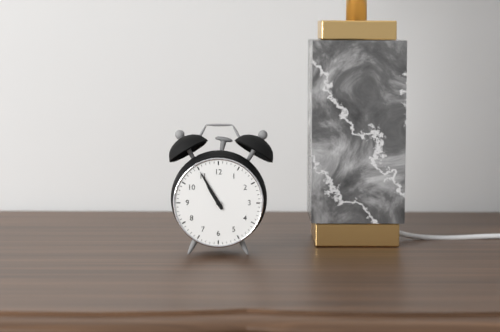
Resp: 10,55
